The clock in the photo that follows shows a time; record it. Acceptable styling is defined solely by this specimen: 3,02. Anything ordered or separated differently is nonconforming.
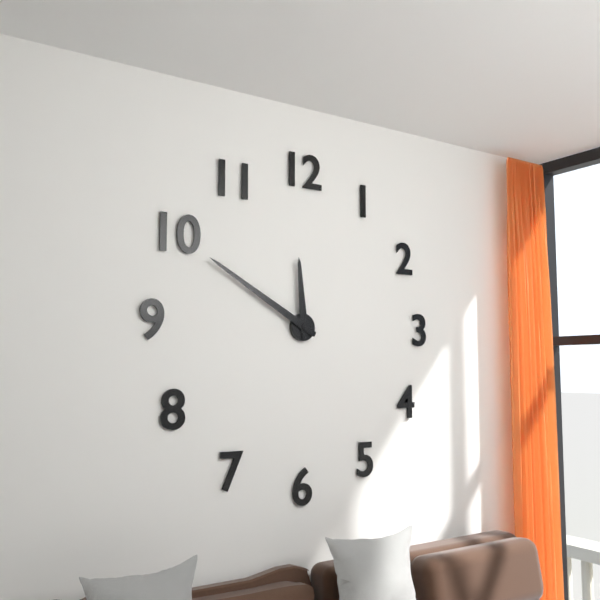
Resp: 11,50
